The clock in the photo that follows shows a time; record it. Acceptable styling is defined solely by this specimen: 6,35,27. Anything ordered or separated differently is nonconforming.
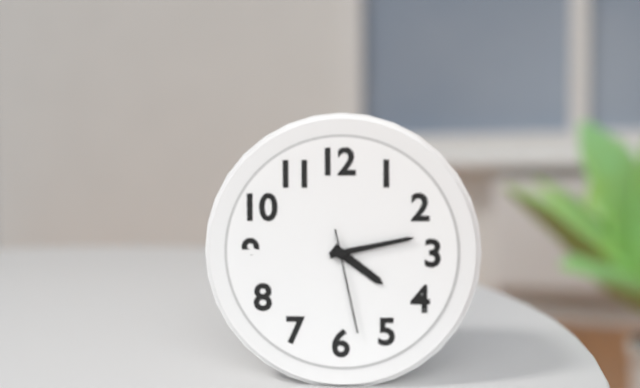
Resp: 4,13,28
